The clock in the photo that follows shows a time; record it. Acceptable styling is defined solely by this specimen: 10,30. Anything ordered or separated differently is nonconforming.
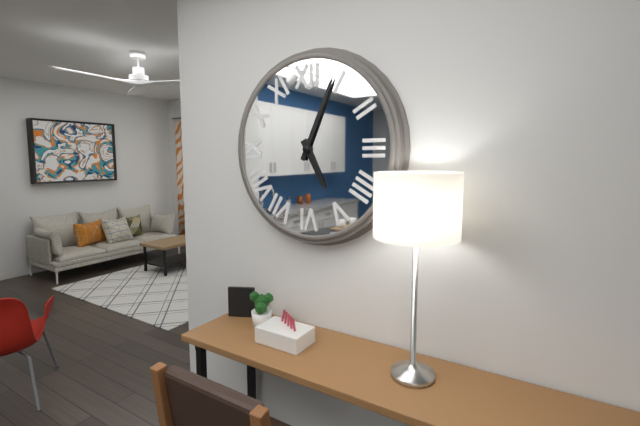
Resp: 5,04
